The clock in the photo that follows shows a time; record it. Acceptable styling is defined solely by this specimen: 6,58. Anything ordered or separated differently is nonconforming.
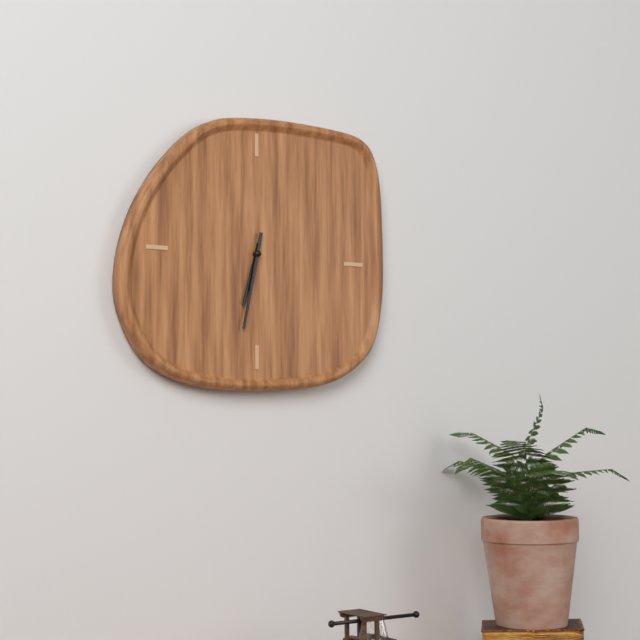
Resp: 6,32
